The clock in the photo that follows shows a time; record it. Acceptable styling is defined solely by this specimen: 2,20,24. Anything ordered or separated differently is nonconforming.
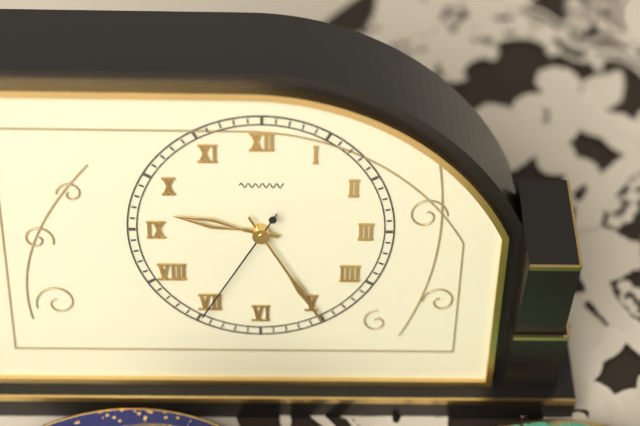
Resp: 9,25,35
